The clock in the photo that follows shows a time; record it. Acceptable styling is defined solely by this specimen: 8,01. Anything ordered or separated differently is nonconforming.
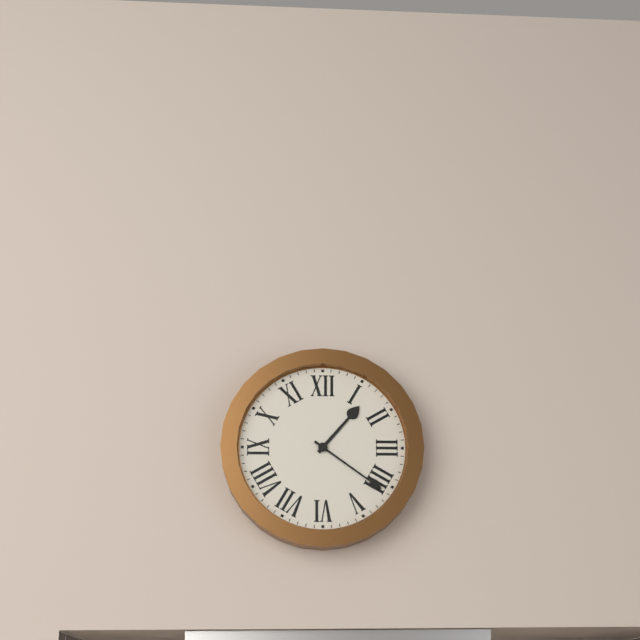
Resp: 1,21
